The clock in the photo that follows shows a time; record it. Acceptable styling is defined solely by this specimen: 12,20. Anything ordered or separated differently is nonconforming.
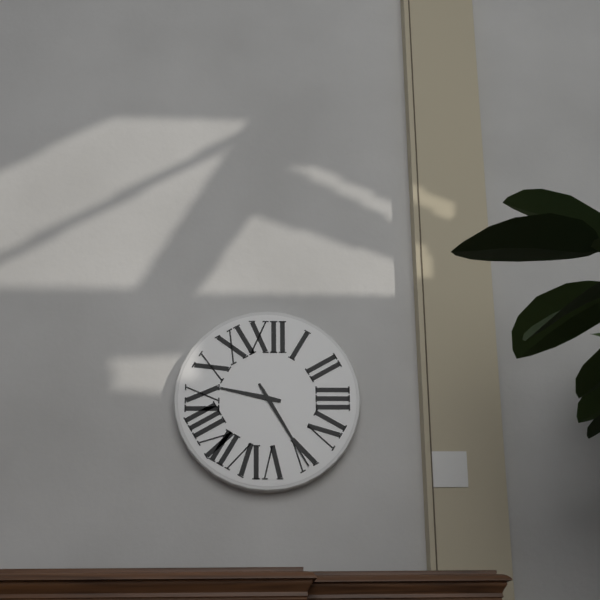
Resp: 9,25
